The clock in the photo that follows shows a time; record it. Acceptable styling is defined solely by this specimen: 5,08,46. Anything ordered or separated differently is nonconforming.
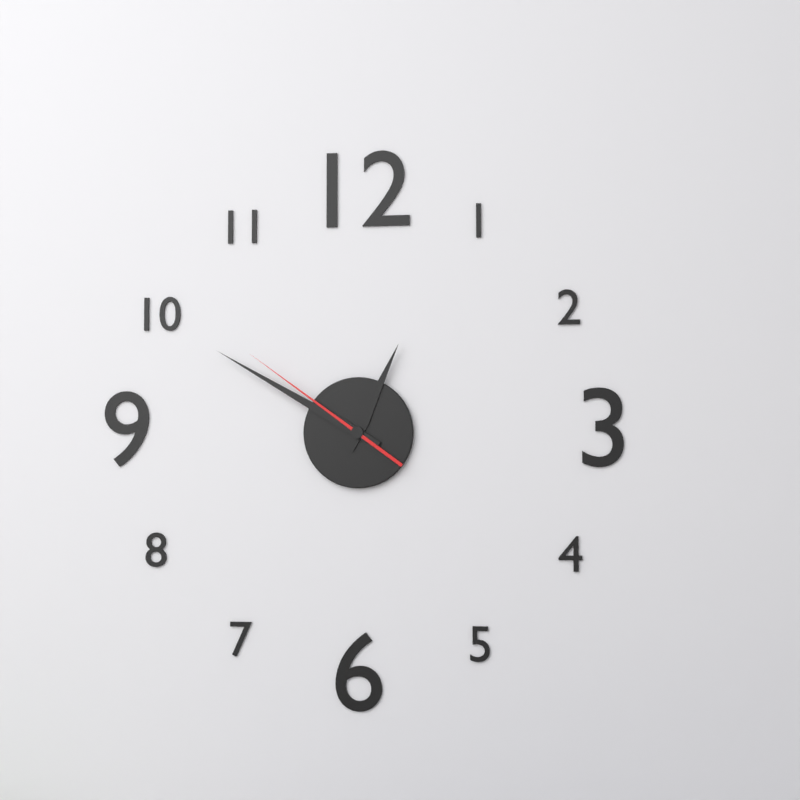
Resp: 12,50,51
